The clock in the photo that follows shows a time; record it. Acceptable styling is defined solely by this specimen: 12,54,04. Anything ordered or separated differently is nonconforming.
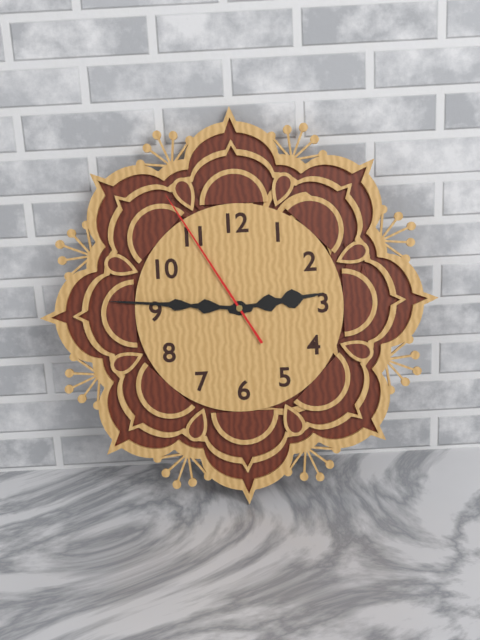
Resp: 2,46,55
